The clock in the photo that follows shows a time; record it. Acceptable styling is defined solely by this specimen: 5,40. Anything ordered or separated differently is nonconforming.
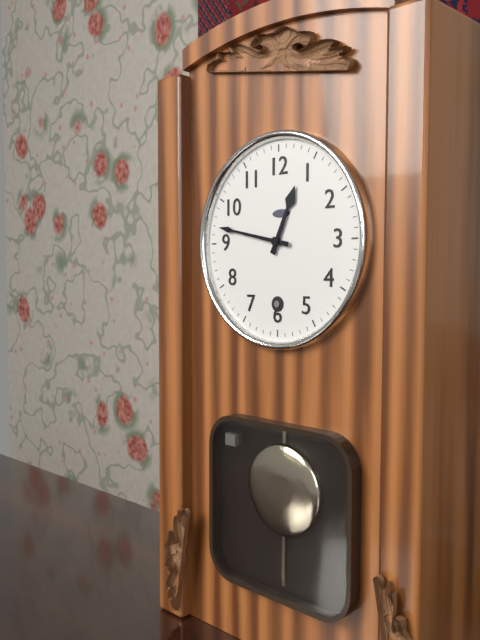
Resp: 12,47
